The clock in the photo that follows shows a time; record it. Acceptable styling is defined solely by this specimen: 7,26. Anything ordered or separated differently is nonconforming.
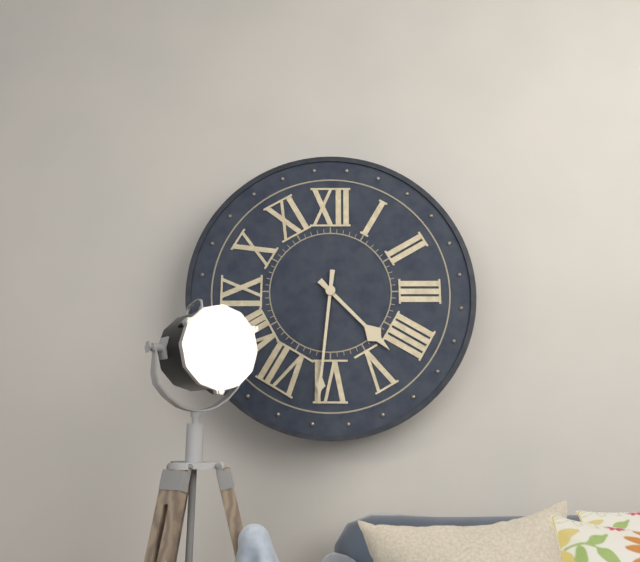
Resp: 4,31
